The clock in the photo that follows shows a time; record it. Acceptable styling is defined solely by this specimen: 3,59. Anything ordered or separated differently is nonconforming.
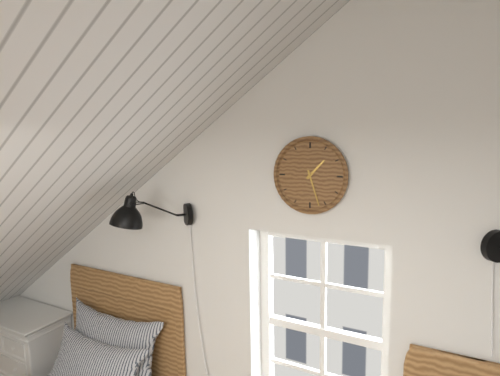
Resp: 1,27
